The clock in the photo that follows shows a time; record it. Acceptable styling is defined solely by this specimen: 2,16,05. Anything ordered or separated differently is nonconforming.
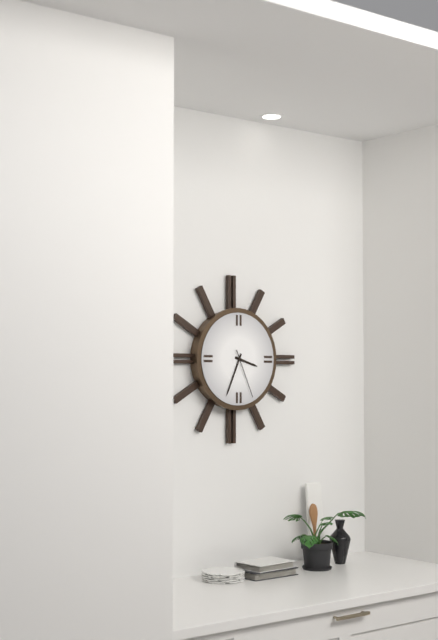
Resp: 3,34,26
